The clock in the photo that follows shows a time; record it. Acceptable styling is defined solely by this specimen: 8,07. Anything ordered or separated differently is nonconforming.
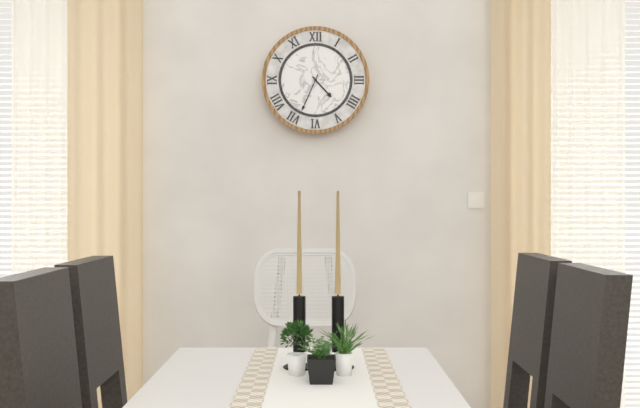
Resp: 4,34
